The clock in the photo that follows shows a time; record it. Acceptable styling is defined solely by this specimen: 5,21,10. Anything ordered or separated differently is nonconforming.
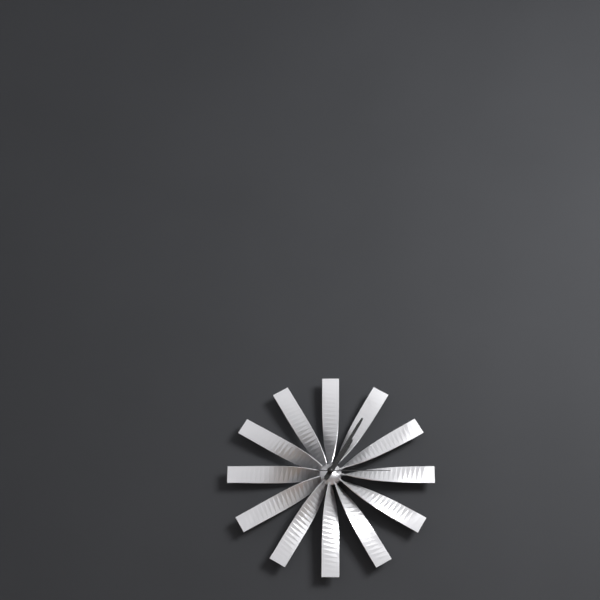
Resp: 1,05,15
